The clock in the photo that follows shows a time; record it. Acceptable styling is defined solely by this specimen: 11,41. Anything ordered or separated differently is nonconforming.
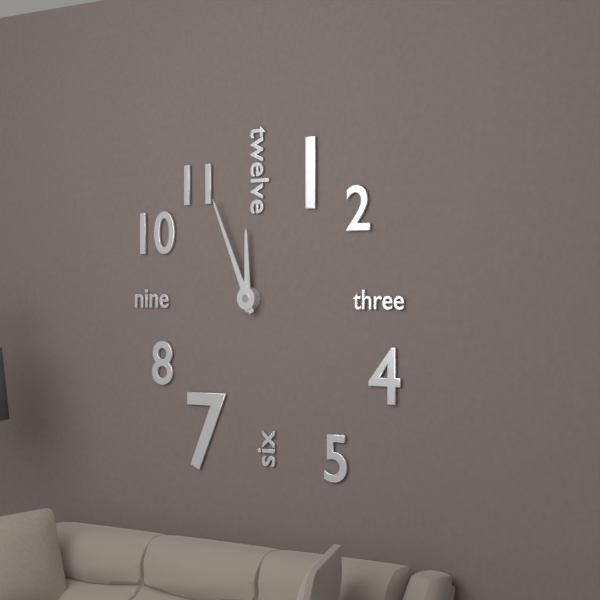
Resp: 11,56
